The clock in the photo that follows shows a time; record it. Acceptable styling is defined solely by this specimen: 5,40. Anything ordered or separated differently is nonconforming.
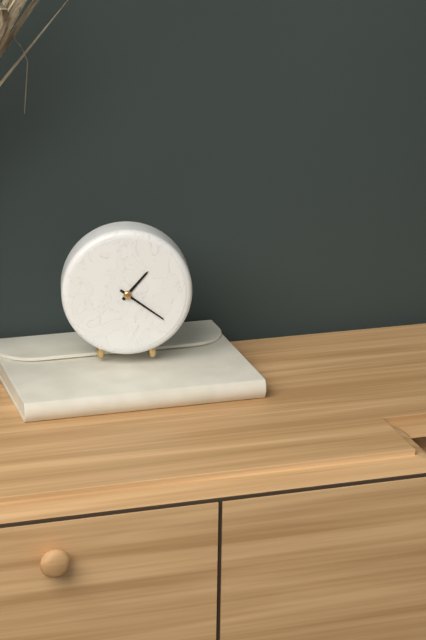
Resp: 1,21
